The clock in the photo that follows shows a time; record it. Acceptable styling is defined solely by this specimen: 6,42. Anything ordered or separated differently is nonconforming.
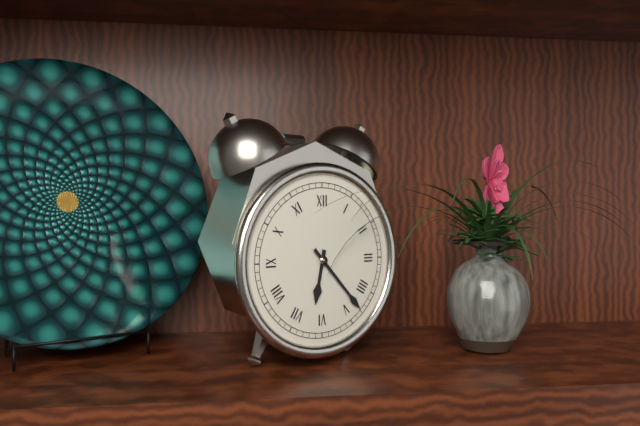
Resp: 6,23
